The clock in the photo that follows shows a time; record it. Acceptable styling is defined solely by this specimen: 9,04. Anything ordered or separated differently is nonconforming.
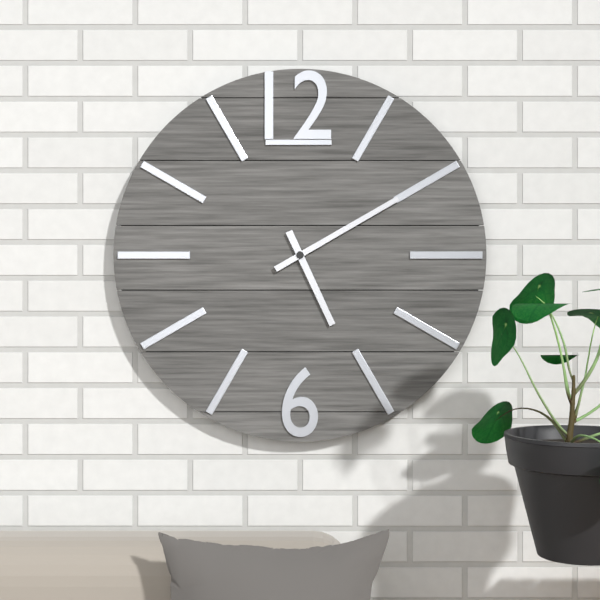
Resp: 5,10
